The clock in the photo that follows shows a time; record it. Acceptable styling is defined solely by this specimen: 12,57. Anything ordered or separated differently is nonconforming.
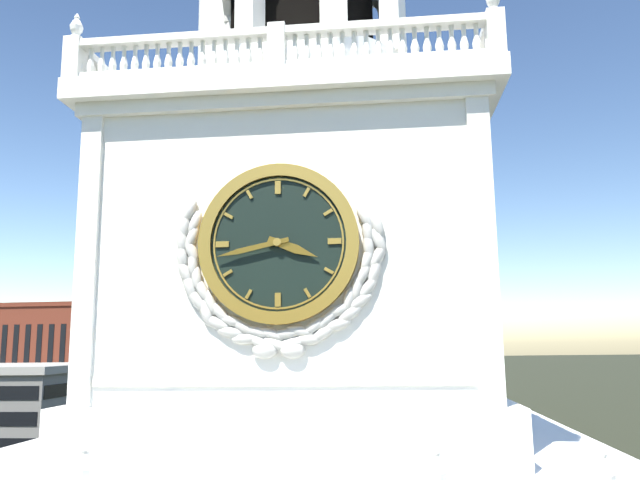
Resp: 3,43
